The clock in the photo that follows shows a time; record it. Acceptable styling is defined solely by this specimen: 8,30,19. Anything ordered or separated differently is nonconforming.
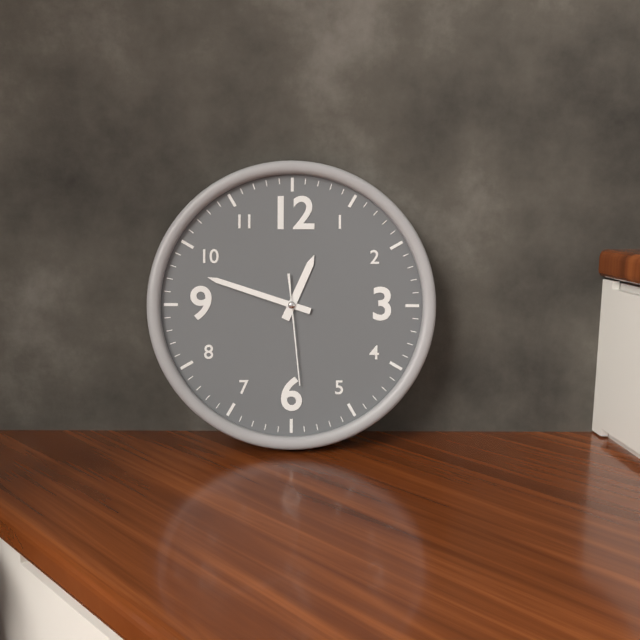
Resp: 12,48,29
